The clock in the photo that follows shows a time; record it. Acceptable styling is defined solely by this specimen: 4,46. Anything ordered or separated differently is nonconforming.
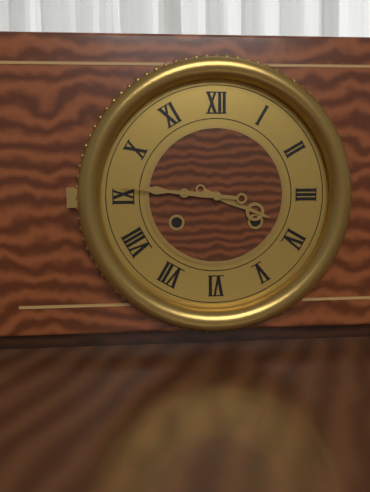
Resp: 3,46
